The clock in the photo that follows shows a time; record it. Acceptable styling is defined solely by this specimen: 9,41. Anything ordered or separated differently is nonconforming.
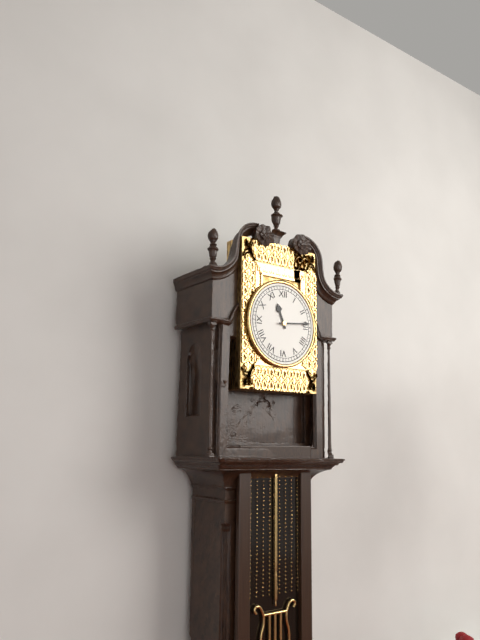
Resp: 11,14
